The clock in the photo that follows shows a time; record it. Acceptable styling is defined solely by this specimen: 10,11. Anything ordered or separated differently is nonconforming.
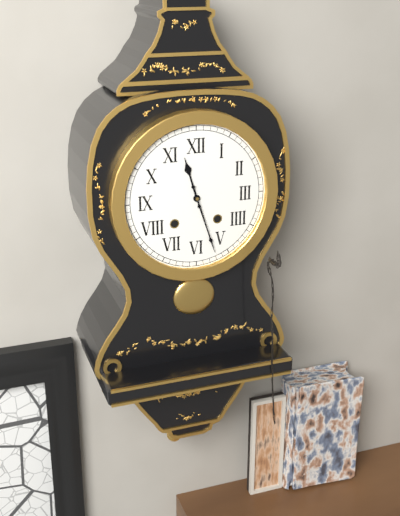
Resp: 11,27
